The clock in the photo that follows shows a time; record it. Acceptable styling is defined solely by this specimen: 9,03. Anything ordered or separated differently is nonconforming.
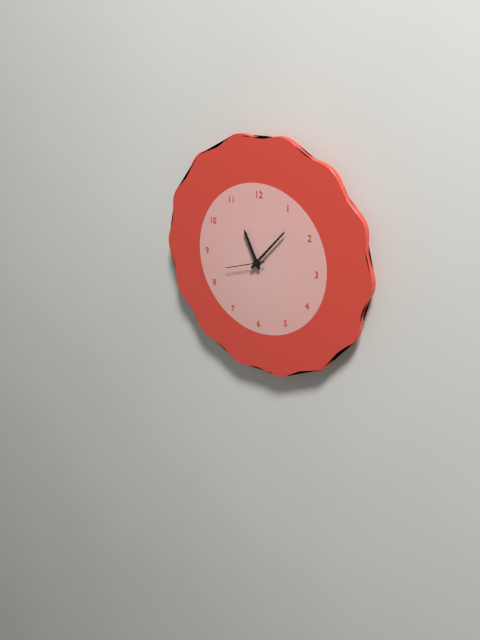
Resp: 11,07
